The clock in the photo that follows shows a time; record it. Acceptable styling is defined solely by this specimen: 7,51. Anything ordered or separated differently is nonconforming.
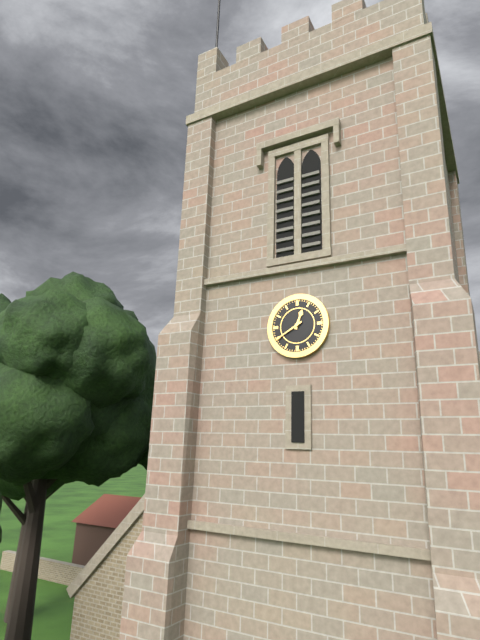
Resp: 12,40
